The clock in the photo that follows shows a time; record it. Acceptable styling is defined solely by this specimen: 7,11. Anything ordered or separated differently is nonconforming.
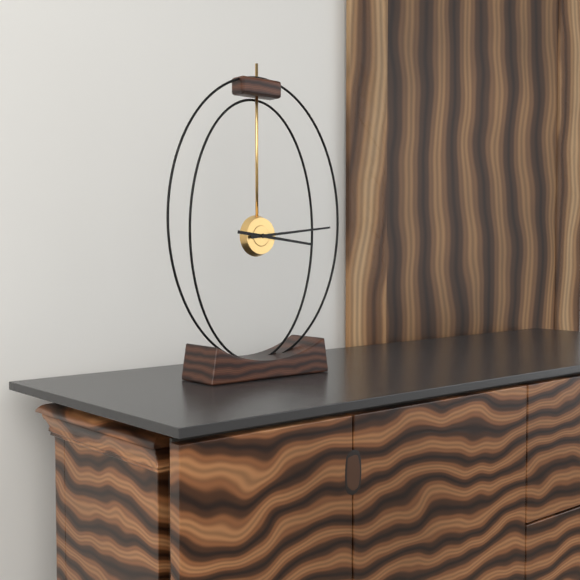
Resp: 3,14
